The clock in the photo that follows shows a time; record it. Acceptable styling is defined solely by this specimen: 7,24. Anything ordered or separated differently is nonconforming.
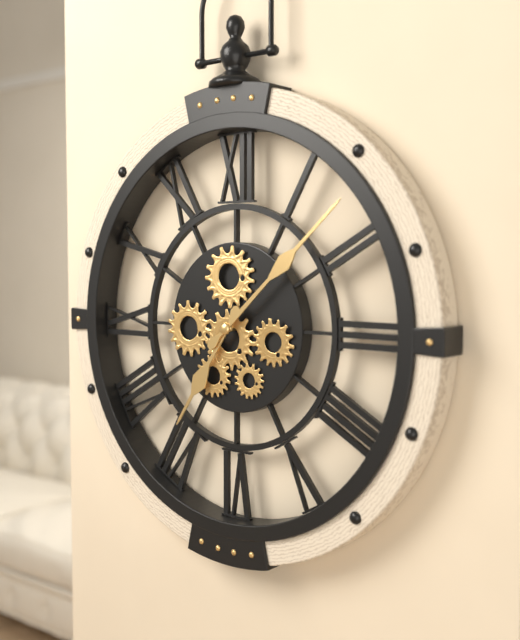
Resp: 7,08
